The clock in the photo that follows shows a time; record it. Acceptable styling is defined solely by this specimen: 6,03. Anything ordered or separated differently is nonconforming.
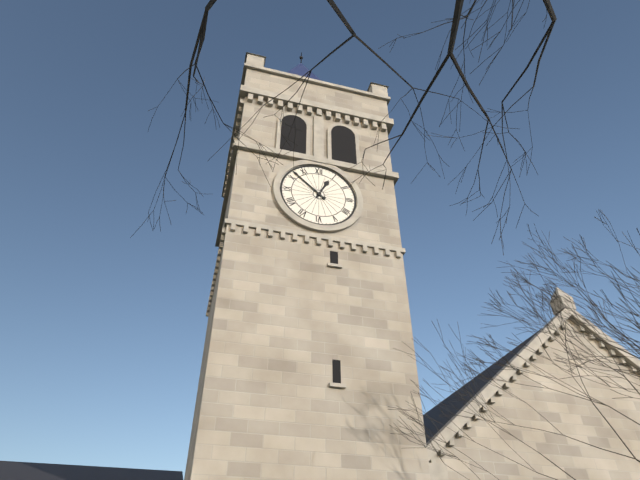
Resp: 12,52
